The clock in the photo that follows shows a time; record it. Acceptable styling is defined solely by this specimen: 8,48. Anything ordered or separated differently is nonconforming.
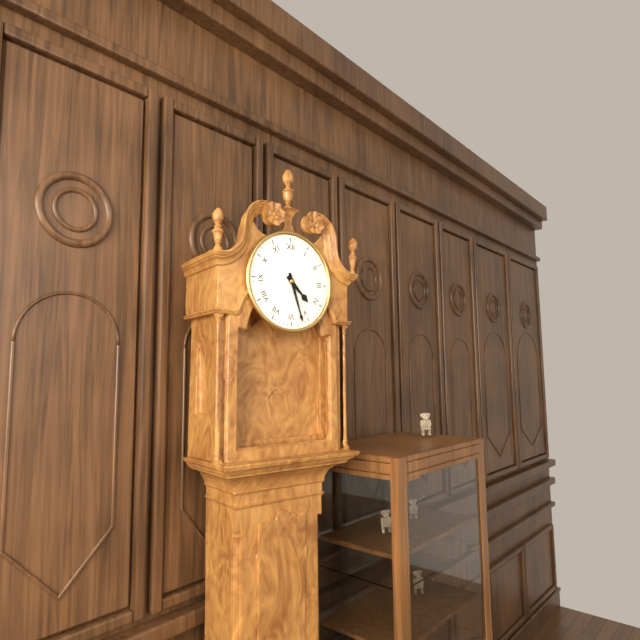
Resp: 4,27
